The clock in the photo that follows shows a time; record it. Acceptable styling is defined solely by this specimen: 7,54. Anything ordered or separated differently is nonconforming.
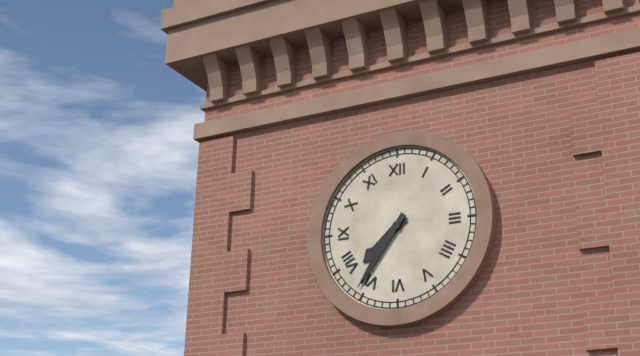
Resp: 7,36
